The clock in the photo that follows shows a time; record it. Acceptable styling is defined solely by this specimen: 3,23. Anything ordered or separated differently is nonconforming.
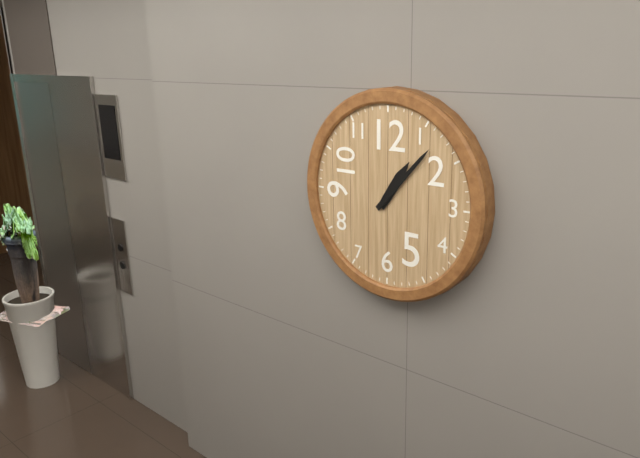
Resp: 1,07
